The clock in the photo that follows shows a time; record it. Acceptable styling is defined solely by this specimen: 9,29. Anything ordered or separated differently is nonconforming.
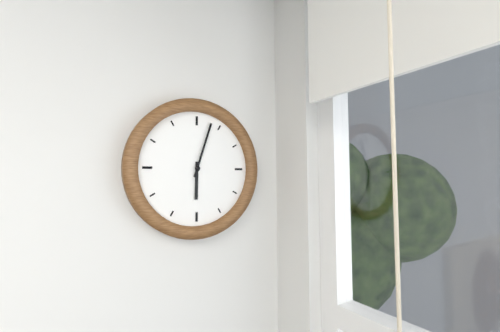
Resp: 6,03
